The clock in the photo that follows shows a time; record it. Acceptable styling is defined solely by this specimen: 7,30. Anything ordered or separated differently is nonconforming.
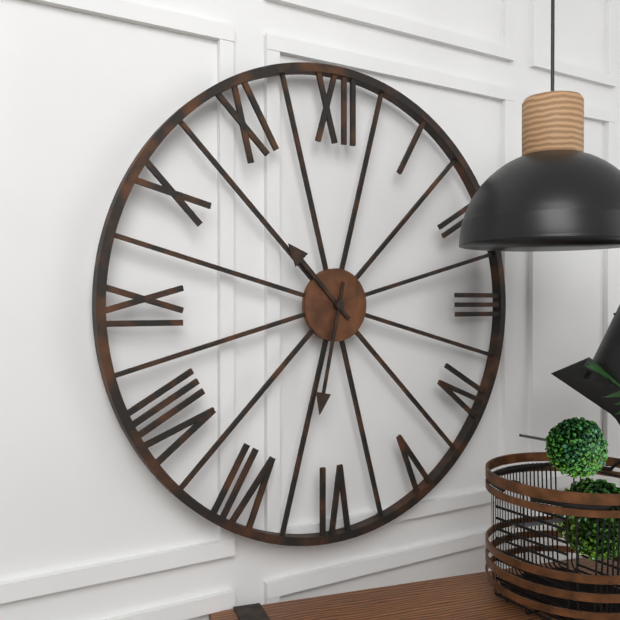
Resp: 10,32
